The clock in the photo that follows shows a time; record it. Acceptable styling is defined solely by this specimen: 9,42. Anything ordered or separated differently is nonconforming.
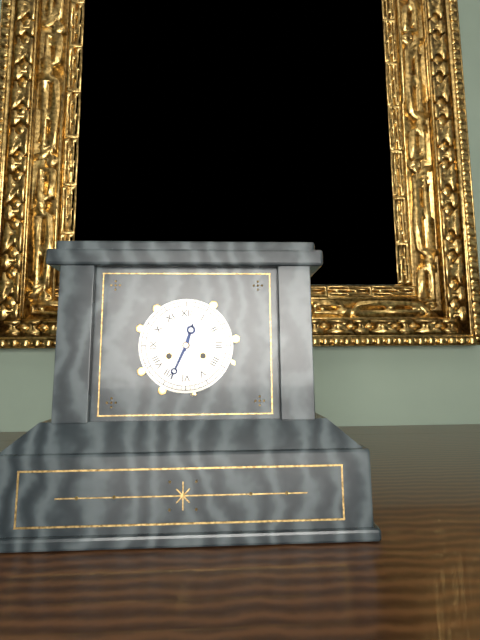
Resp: 12,34
